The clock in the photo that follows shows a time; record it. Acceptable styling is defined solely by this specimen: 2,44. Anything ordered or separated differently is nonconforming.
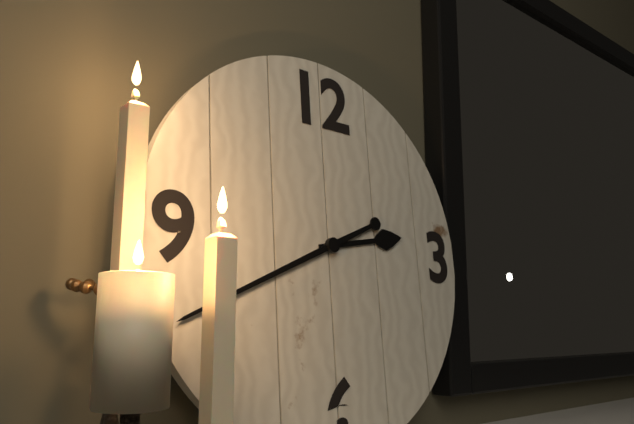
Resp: 2,41
